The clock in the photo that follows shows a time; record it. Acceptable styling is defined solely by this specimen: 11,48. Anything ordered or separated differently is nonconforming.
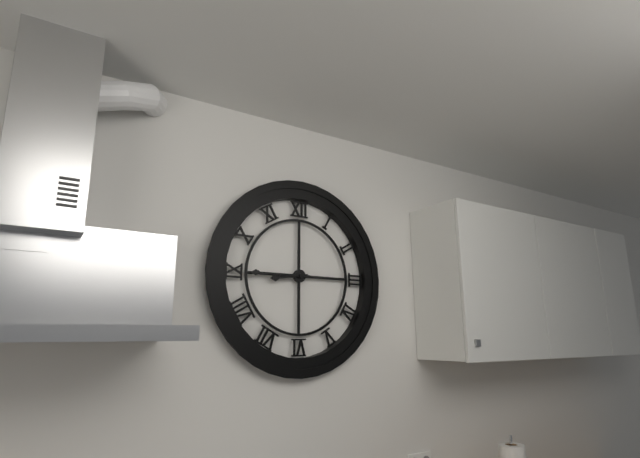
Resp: 8,45
